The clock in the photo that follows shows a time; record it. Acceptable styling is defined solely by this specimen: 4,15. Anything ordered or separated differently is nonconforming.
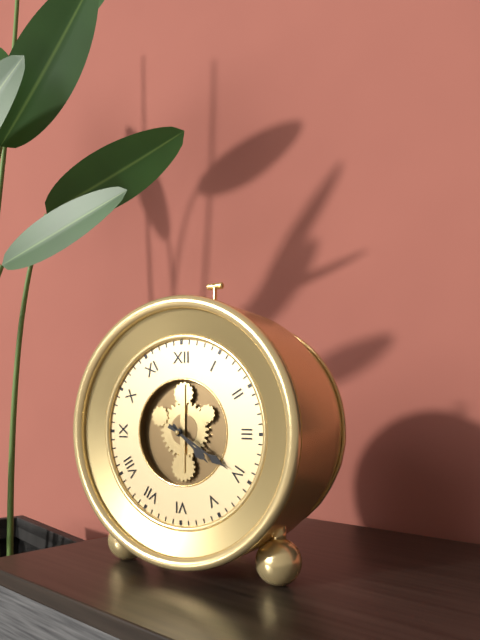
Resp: 4,20
